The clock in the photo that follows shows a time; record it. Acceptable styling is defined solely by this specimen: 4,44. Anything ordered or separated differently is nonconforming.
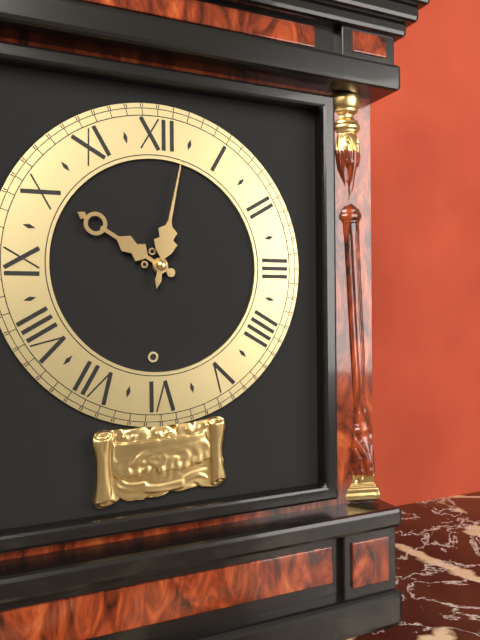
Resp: 10,02
